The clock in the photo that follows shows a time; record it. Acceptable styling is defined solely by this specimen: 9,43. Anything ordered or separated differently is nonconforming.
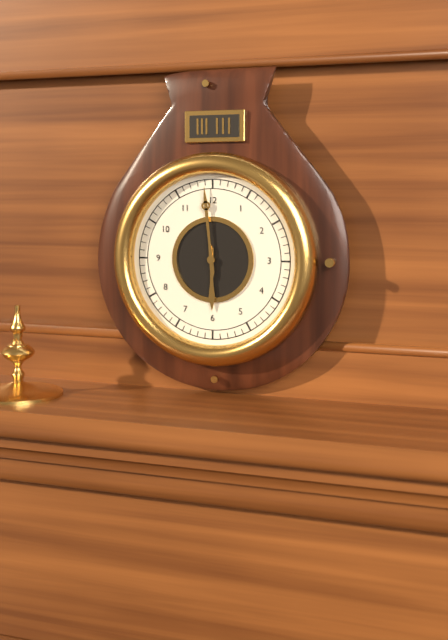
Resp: 5,59
